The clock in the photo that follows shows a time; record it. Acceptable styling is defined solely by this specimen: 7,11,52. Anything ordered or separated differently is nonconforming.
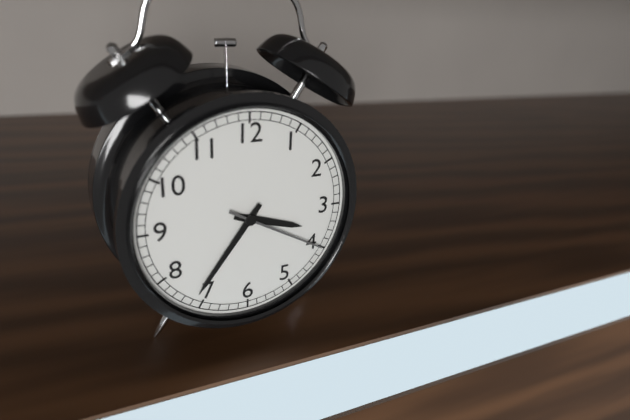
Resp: 3,36,20
